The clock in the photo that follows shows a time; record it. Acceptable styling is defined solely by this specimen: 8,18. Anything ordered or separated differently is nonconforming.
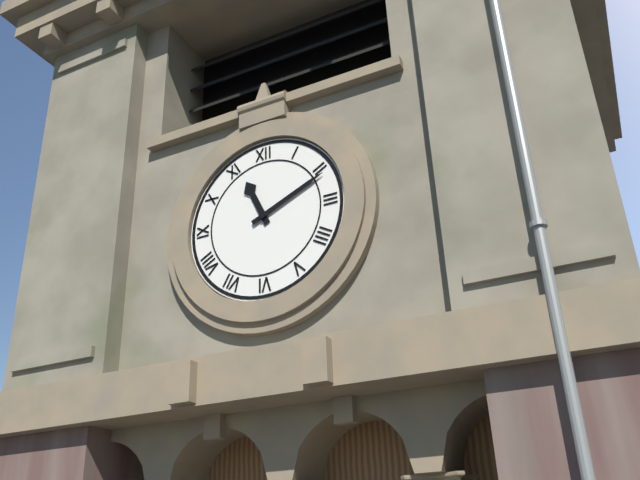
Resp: 11,11
